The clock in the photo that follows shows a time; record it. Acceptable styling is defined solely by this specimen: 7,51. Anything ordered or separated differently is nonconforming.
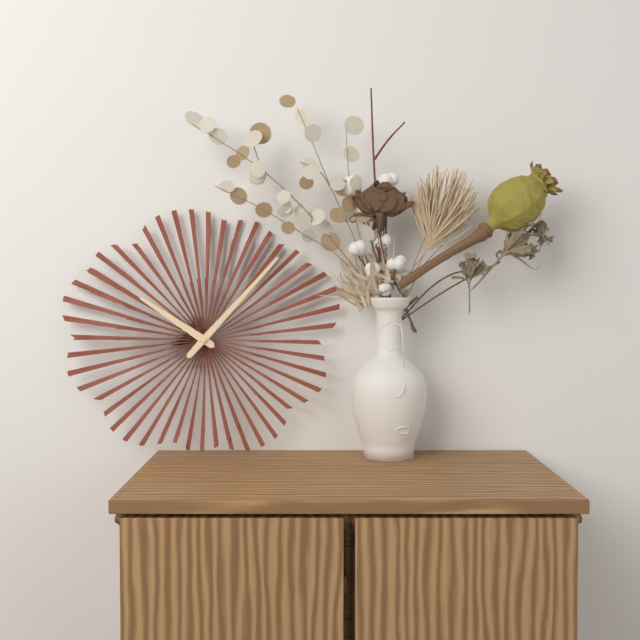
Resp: 10,07
